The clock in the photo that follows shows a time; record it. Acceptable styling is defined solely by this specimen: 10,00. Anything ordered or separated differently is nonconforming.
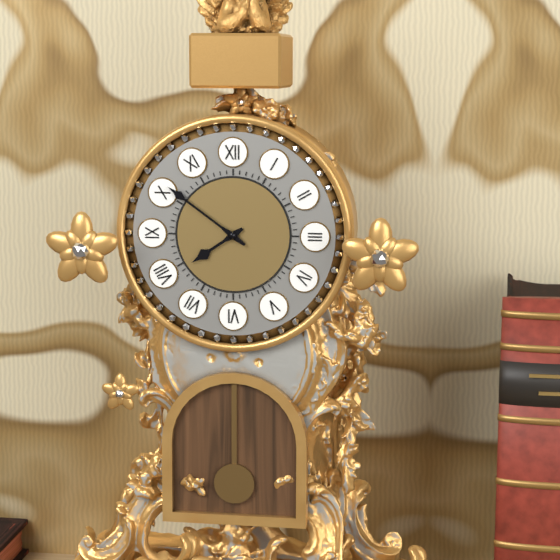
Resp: 7,51
